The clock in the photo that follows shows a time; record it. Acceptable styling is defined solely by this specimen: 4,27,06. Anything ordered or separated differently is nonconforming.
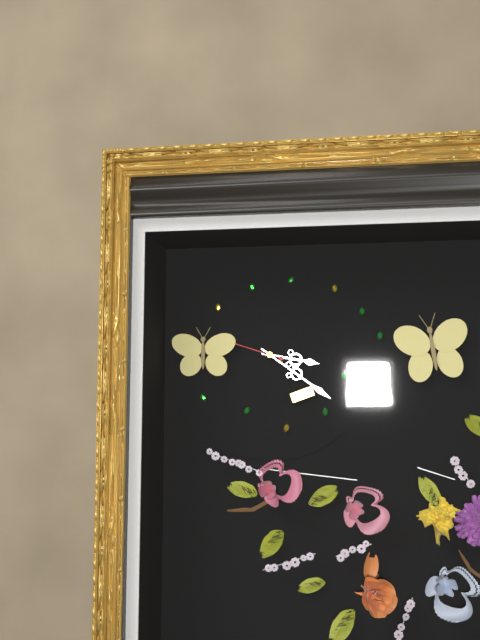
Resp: 3,21,48
